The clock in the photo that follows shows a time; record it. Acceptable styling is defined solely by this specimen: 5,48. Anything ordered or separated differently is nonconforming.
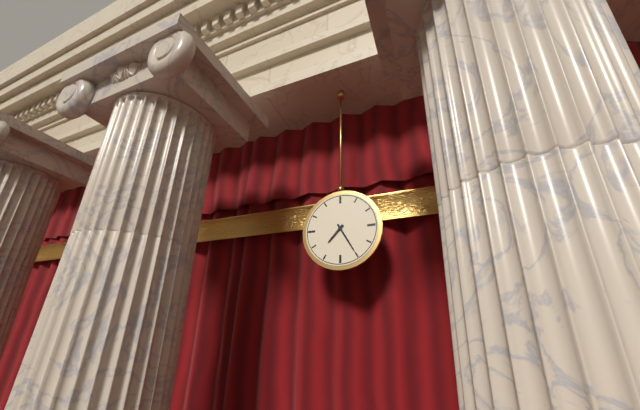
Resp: 7,25
